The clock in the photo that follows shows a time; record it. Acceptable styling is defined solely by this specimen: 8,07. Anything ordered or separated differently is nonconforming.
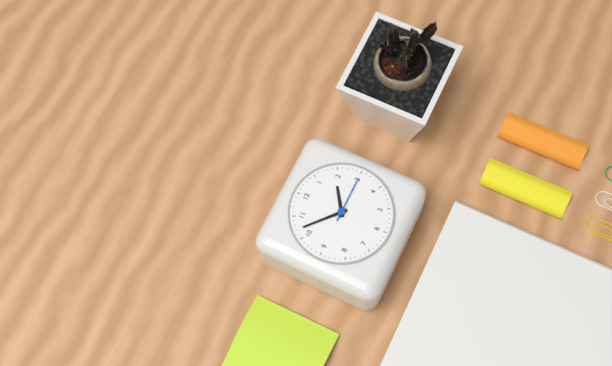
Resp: 1,52
